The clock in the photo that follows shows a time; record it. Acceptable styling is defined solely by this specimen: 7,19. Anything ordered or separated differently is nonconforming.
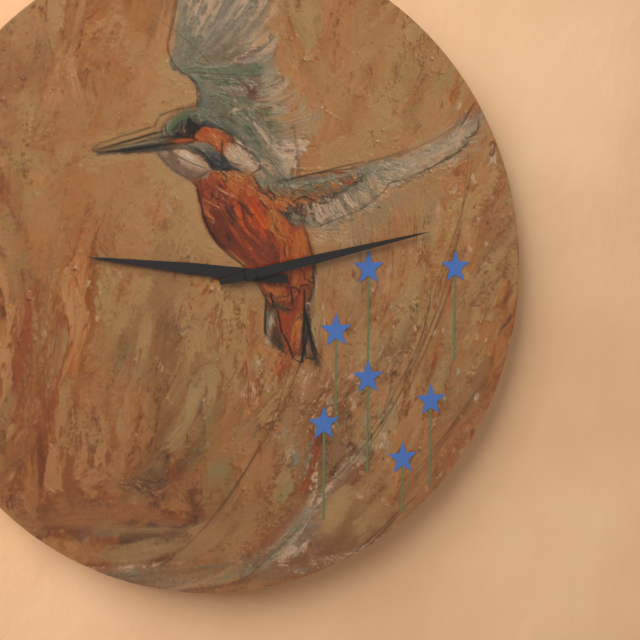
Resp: 9,13
